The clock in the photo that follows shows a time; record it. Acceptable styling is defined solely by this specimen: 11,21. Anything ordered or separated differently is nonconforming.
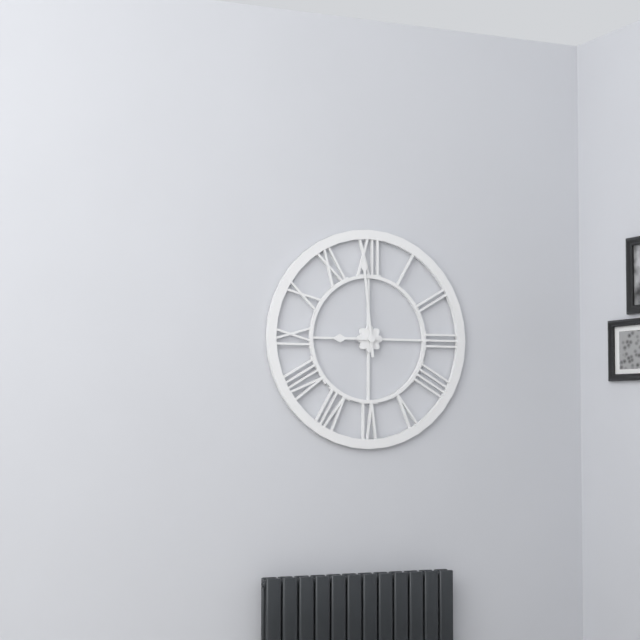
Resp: 8,59
